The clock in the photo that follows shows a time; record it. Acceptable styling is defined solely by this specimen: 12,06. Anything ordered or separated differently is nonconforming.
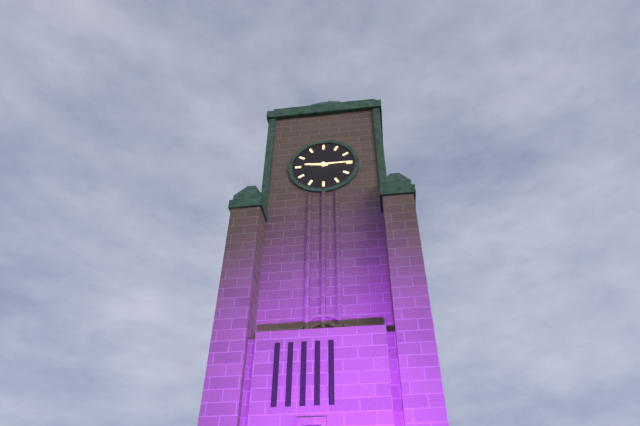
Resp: 9,15
